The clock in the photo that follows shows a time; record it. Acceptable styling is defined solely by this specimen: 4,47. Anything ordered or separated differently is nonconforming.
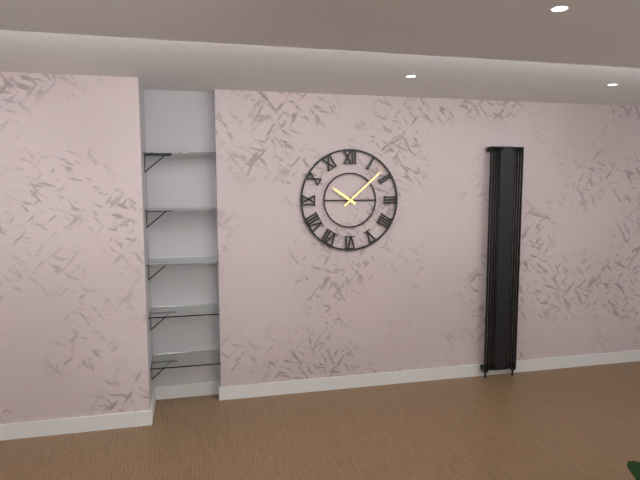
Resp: 10,08
